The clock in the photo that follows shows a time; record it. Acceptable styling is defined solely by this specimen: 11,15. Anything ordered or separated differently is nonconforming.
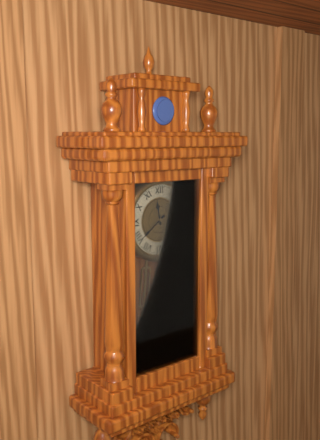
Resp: 11,39
